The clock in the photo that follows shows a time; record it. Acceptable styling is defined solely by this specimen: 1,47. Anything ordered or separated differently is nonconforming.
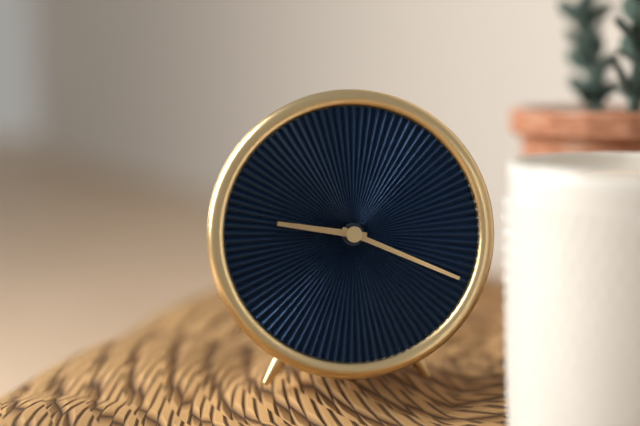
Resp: 9,19
